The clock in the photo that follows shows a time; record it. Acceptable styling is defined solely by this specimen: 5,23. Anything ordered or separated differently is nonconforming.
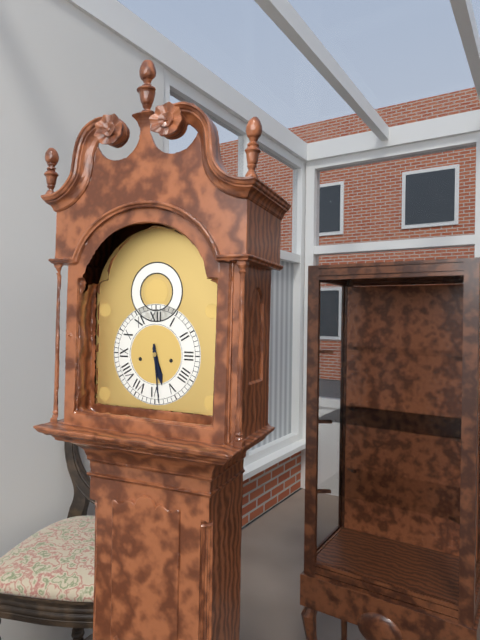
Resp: 5,29
